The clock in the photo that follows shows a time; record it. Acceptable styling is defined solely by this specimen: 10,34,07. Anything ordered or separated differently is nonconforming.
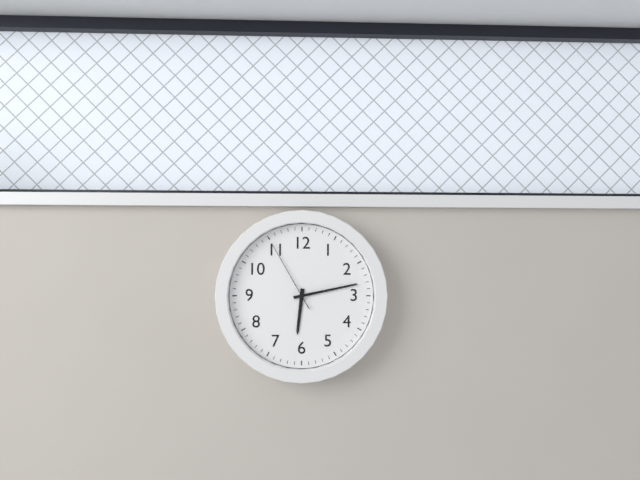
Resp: 6,13,55
